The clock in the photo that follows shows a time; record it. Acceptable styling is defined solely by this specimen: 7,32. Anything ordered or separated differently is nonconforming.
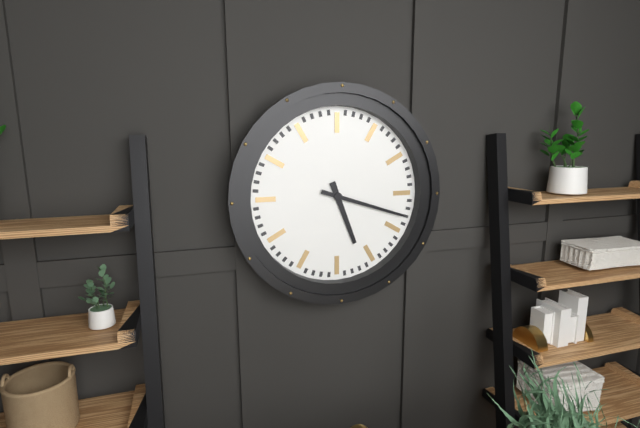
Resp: 5,18
